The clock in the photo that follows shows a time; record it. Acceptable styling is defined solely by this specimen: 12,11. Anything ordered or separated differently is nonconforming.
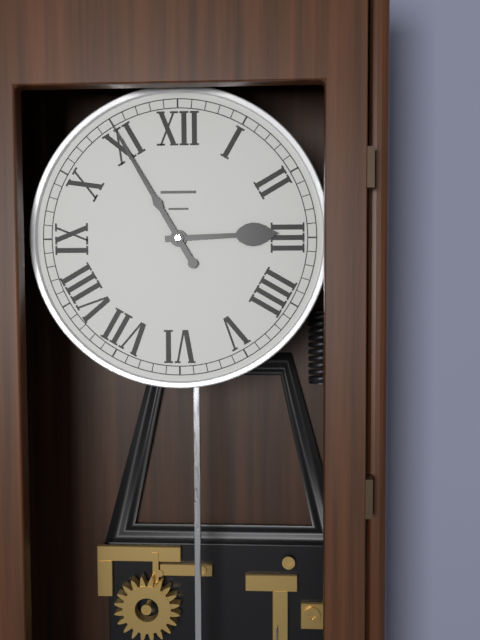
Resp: 2,55
